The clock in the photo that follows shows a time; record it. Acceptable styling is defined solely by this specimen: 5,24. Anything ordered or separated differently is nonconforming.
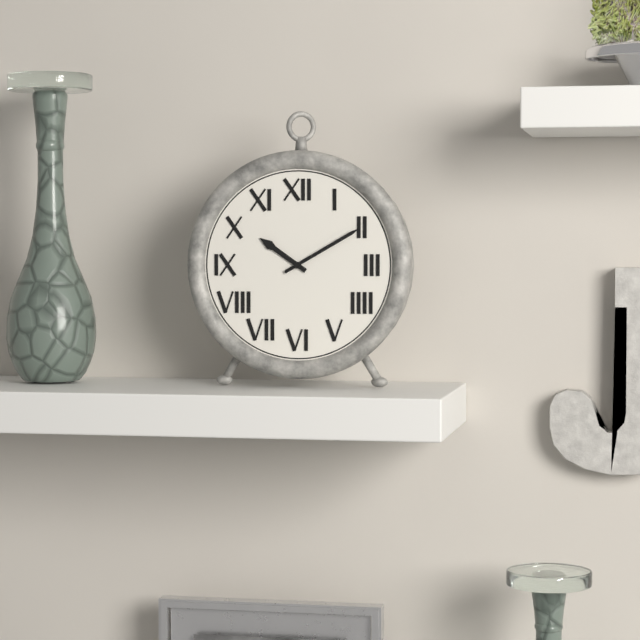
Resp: 10,10
